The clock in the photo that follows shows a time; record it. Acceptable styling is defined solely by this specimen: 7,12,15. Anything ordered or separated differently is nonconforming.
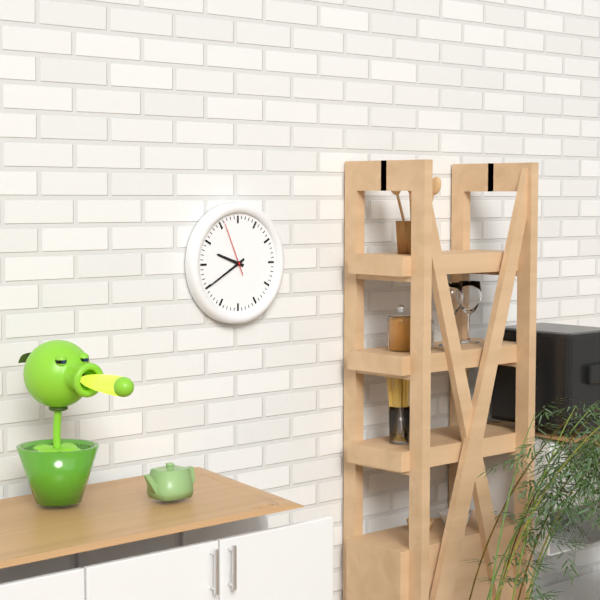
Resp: 9,40,56
